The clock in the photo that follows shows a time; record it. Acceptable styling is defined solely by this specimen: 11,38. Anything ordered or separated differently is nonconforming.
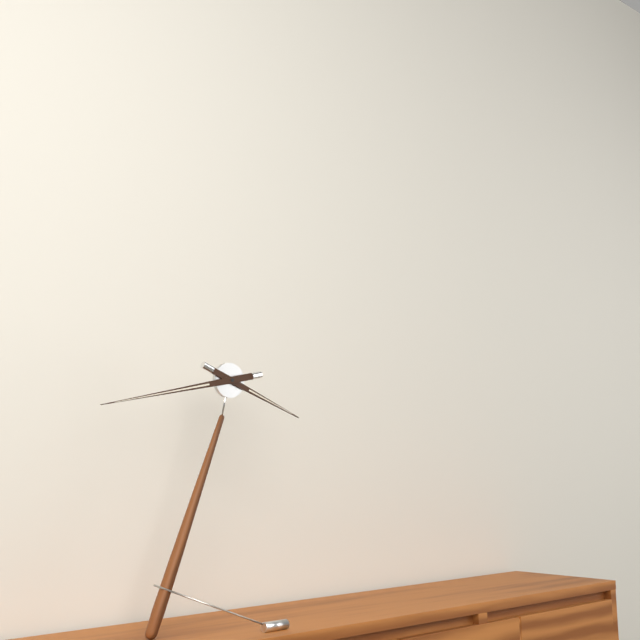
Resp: 3,43
